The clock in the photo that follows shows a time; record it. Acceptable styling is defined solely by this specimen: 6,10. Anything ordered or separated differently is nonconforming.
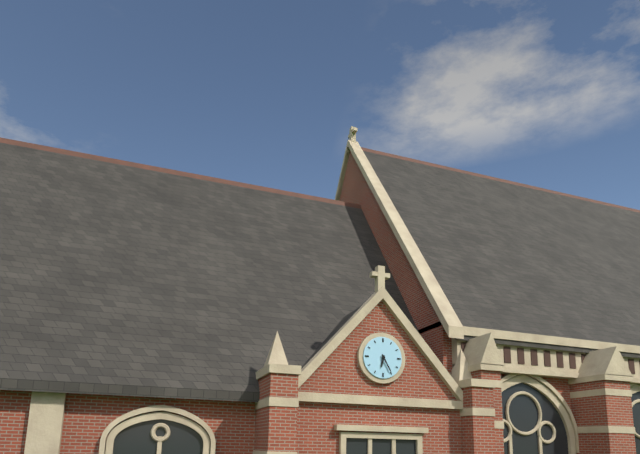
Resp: 6,25
